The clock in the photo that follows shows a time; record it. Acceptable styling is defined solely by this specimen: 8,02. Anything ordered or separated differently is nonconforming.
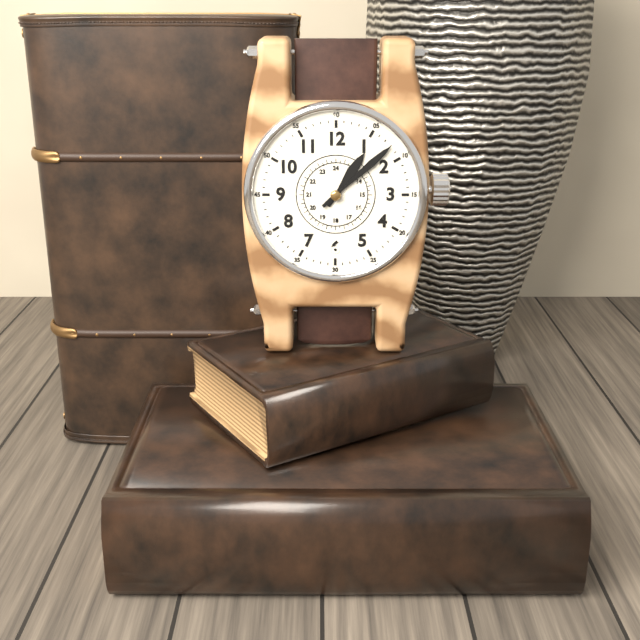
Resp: 1,08
